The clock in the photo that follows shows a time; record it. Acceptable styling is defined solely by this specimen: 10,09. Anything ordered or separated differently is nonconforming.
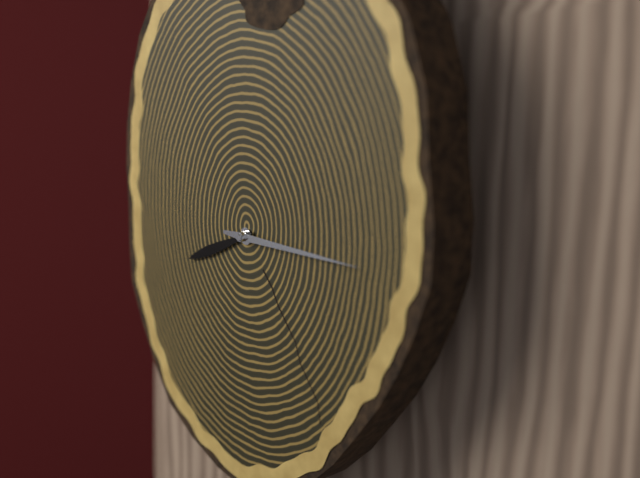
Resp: 8,15
